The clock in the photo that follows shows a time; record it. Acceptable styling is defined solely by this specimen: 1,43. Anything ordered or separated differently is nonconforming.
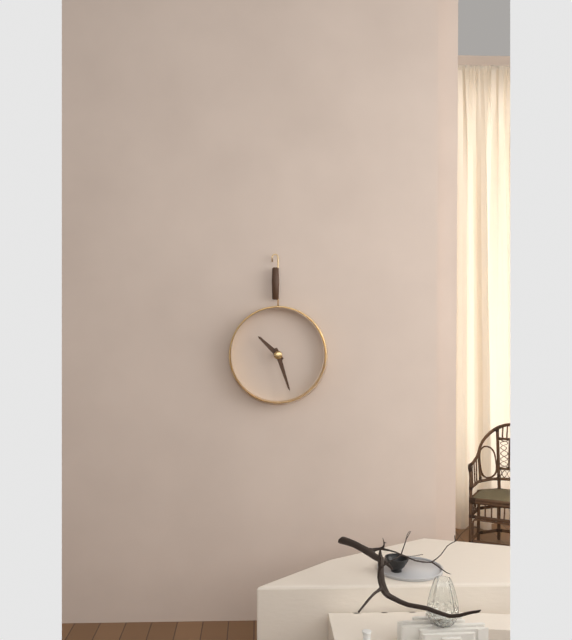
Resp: 10,27
